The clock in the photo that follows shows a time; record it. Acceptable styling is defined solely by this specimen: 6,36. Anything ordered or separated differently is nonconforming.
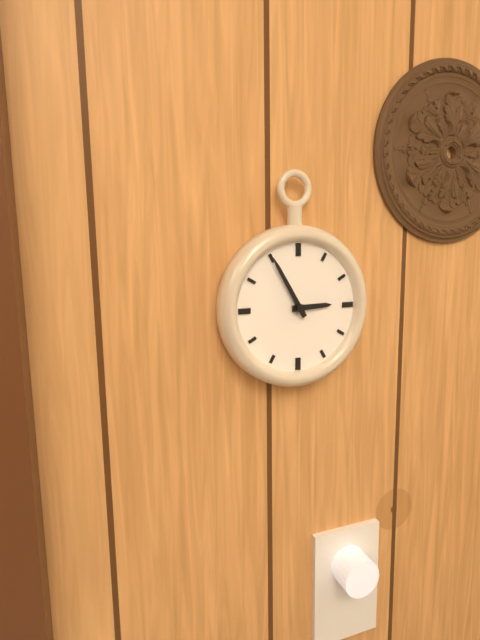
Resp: 2,55
